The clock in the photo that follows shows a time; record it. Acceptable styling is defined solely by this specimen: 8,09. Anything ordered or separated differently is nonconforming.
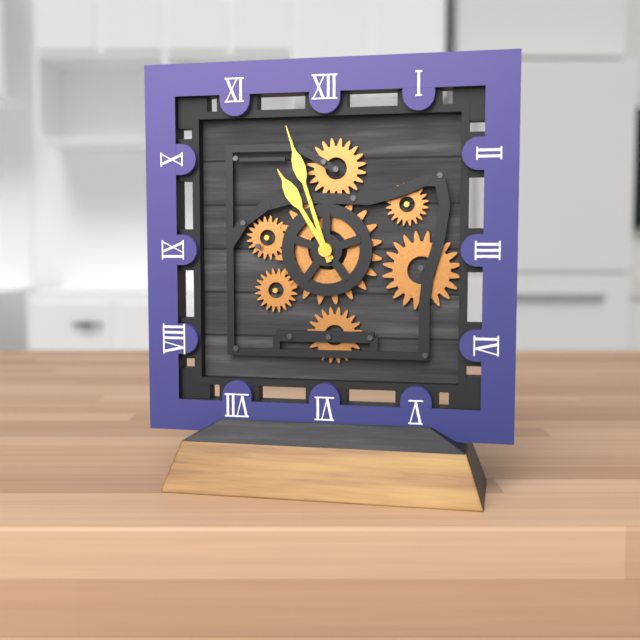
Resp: 10,57
